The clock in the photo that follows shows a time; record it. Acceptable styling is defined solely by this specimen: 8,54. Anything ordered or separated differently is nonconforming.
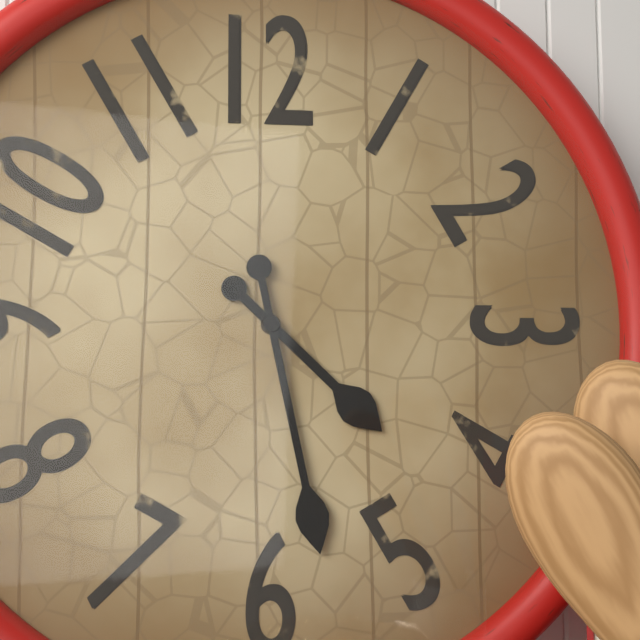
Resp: 4,28
